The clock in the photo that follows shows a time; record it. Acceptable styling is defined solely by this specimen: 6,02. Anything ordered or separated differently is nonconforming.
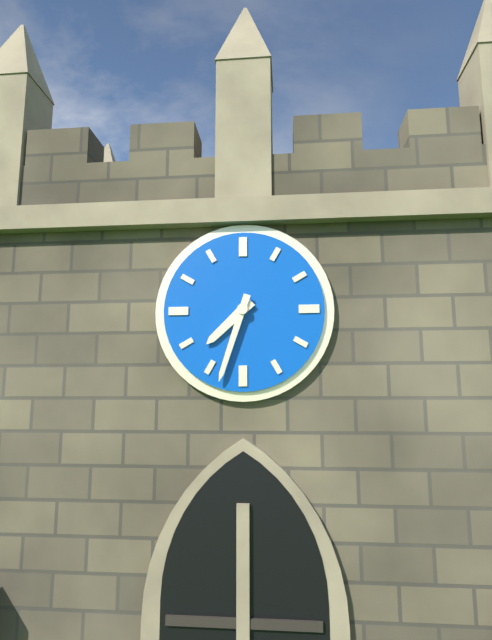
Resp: 7,33
